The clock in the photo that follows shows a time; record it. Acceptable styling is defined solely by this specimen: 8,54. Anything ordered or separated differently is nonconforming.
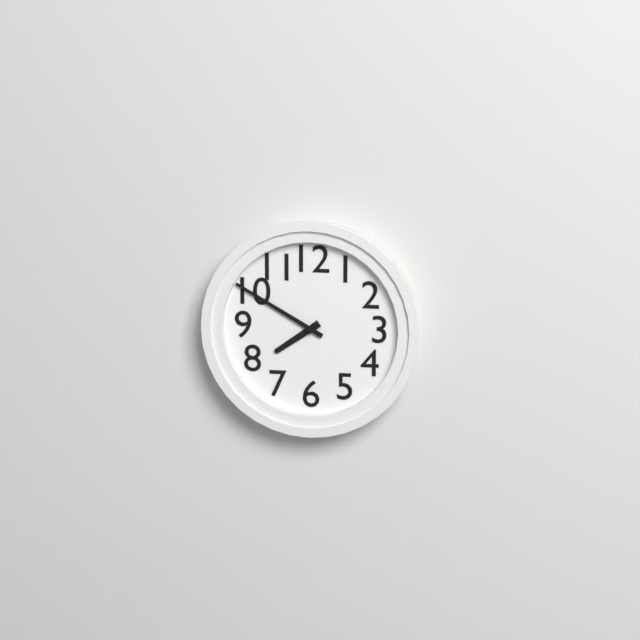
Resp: 7,50
